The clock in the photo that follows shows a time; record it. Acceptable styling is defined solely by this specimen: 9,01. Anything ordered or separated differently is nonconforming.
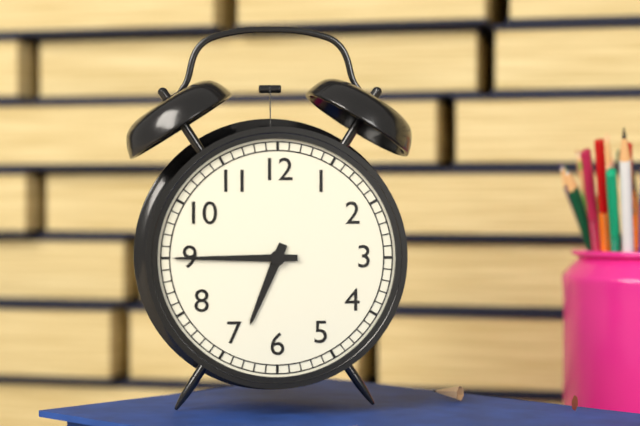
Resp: 6,45
